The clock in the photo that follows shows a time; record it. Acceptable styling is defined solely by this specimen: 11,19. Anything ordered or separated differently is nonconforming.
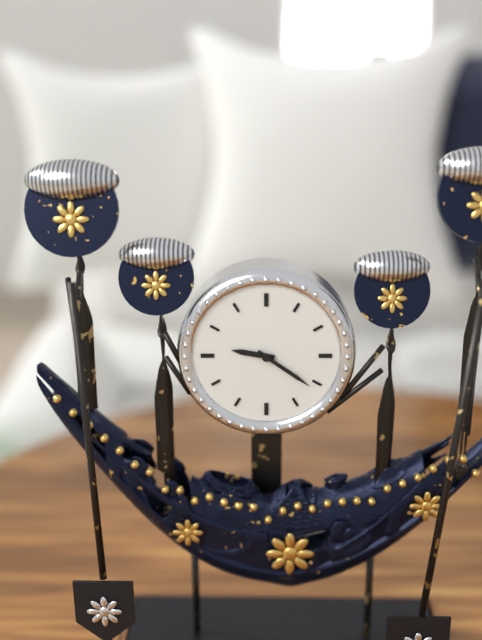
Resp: 9,21
